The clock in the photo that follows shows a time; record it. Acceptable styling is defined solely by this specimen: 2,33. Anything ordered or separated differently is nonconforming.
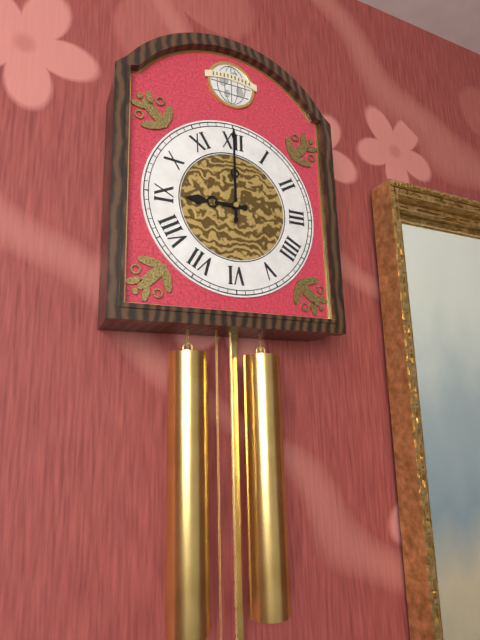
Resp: 9,00
